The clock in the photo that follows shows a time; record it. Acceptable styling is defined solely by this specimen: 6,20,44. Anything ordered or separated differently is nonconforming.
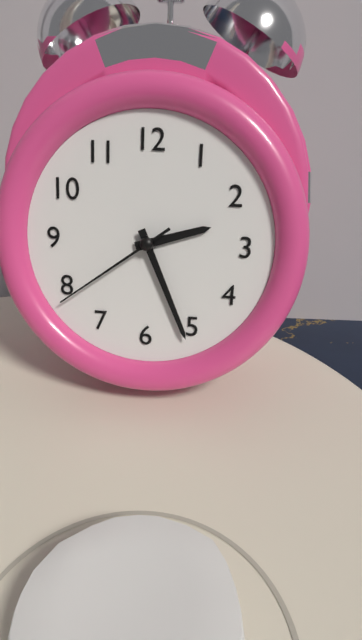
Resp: 2,26,39
